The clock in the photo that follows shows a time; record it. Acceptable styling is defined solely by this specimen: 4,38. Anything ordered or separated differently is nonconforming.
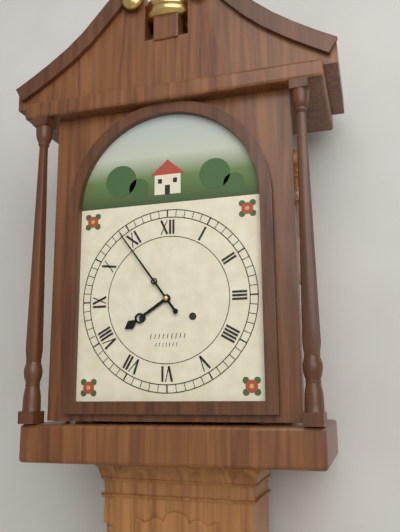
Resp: 7,54
